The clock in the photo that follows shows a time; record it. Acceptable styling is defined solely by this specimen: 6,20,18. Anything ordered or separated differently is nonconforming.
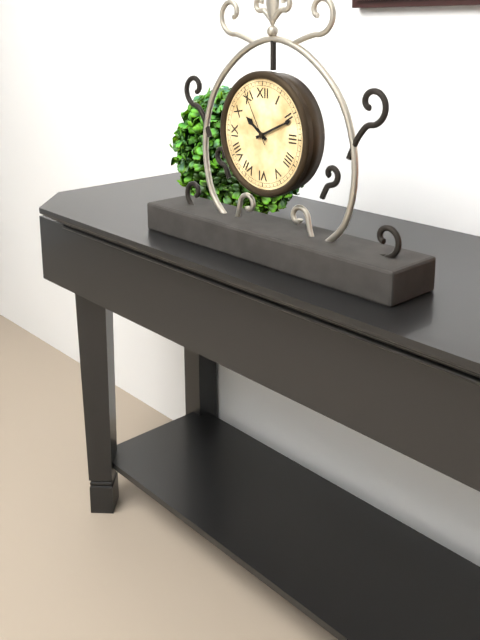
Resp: 10,11,55
